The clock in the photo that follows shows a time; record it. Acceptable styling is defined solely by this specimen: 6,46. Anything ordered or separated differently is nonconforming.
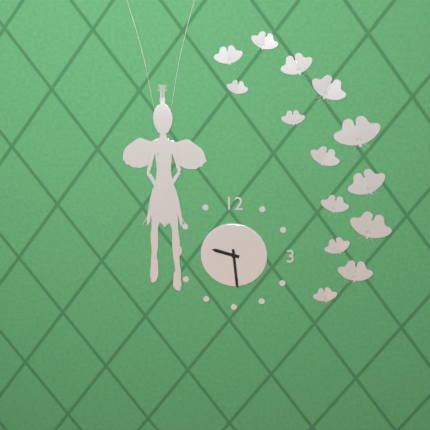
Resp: 9,29
